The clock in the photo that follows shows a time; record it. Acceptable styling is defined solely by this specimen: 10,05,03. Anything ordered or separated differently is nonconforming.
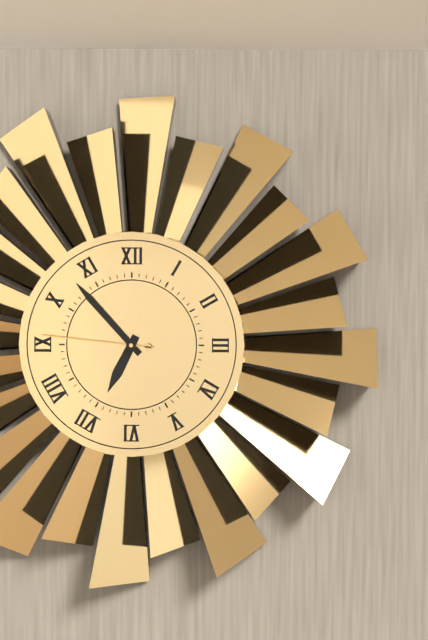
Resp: 6,53,46
